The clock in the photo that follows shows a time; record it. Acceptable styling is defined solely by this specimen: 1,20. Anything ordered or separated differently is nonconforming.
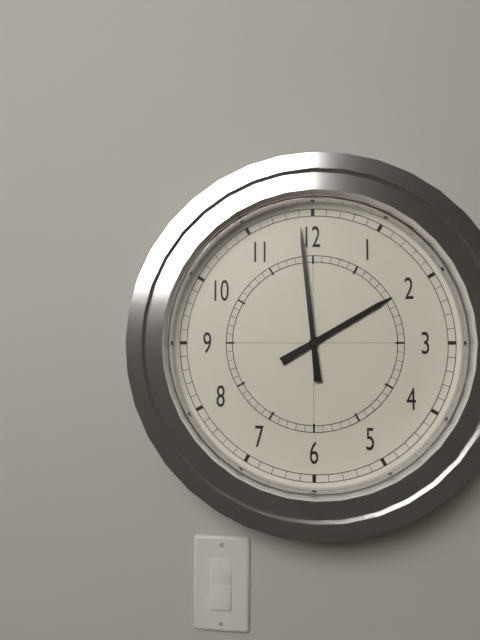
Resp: 1,59
